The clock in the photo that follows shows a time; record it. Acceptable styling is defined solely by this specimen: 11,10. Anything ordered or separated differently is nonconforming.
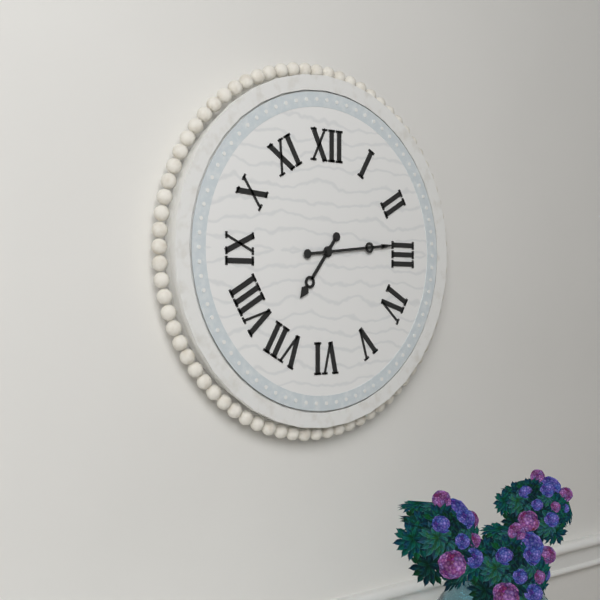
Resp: 7,14
